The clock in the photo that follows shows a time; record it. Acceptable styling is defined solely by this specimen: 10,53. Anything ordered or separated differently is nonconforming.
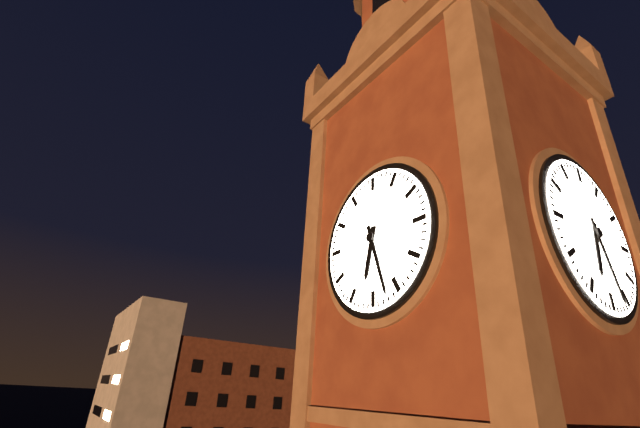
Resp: 6,27
